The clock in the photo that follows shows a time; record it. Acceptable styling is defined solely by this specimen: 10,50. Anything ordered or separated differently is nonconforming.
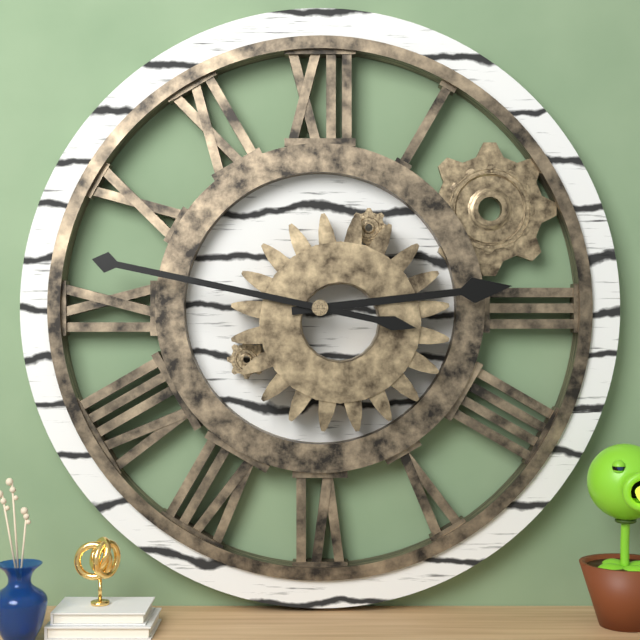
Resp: 2,47
